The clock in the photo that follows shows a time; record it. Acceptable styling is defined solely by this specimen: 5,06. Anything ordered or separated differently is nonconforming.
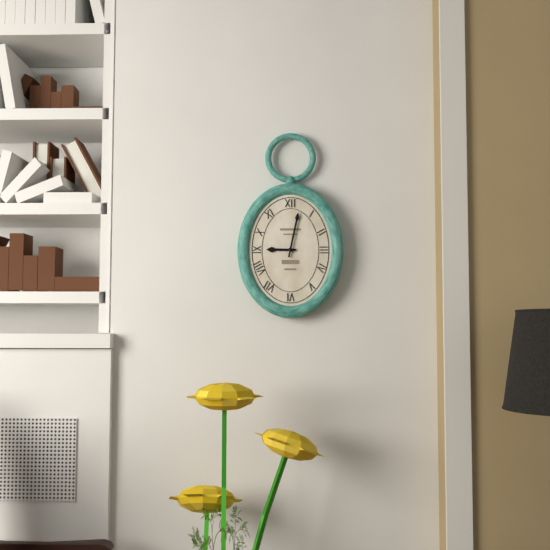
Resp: 9,02
